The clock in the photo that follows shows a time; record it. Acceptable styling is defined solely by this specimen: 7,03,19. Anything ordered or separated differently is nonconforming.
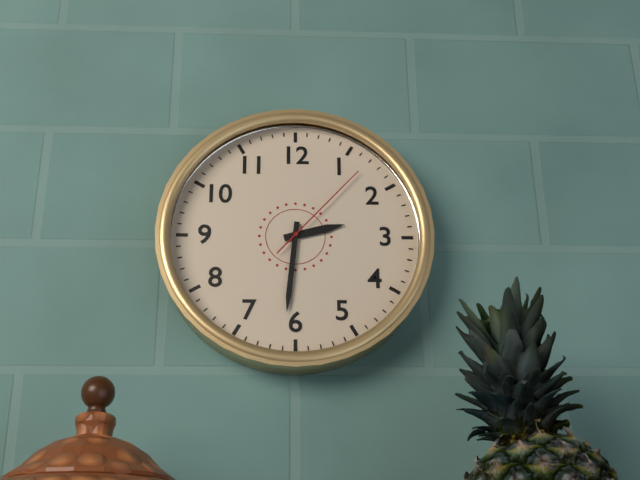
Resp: 2,31,07
